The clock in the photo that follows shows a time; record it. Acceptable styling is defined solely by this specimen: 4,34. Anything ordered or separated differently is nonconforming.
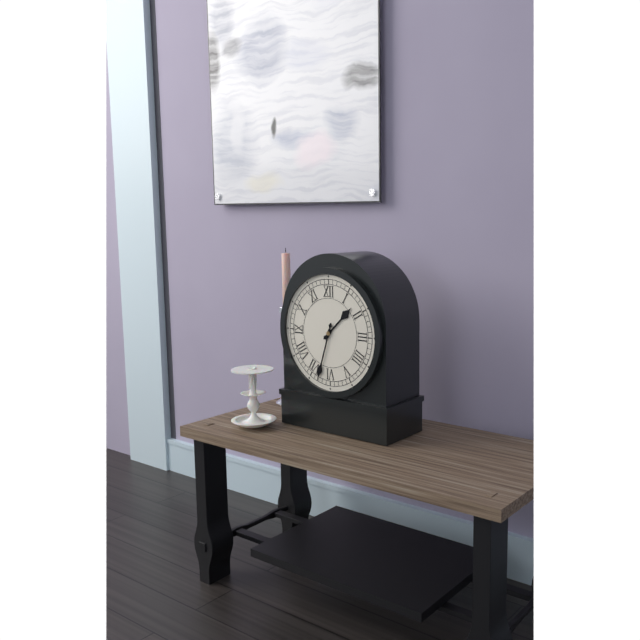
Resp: 1,33
